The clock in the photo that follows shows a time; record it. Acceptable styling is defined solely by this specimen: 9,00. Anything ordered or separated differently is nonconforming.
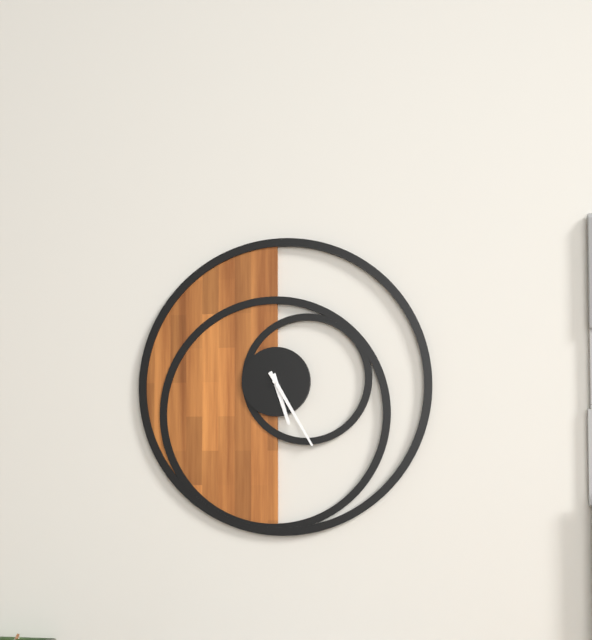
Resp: 5,25
